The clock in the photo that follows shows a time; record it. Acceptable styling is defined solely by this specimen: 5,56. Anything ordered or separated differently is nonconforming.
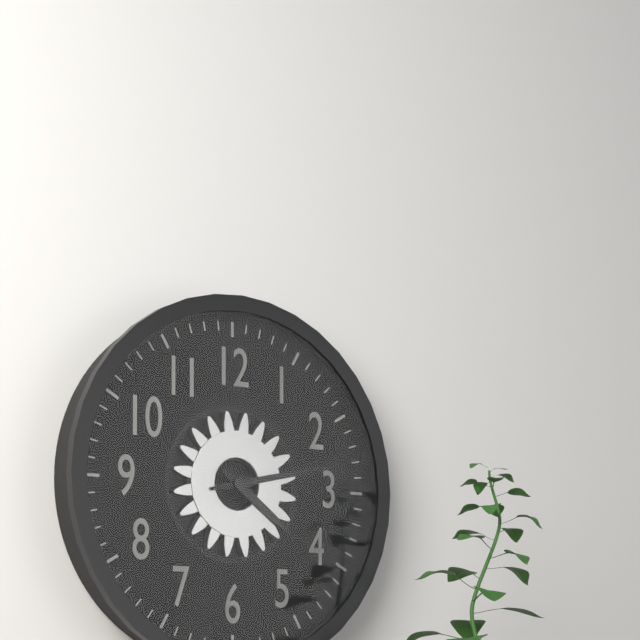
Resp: 4,13
